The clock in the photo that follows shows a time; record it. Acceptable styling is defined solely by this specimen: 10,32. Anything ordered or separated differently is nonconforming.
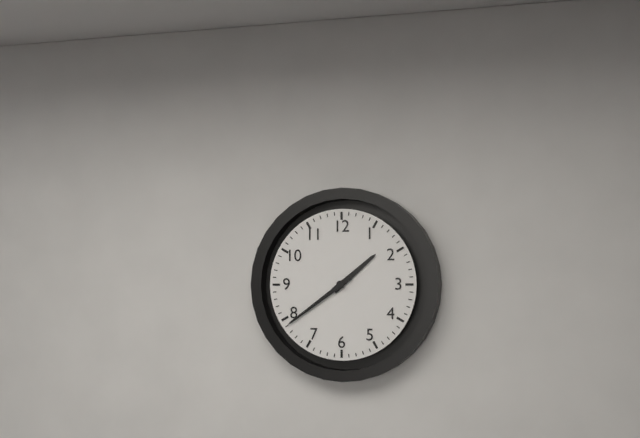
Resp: 1,39
